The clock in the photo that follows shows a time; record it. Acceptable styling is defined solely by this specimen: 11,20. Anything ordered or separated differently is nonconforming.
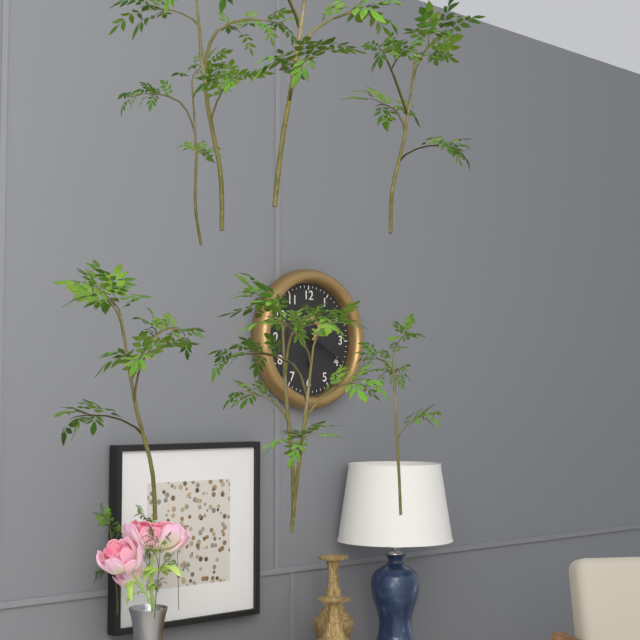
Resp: 6,20
